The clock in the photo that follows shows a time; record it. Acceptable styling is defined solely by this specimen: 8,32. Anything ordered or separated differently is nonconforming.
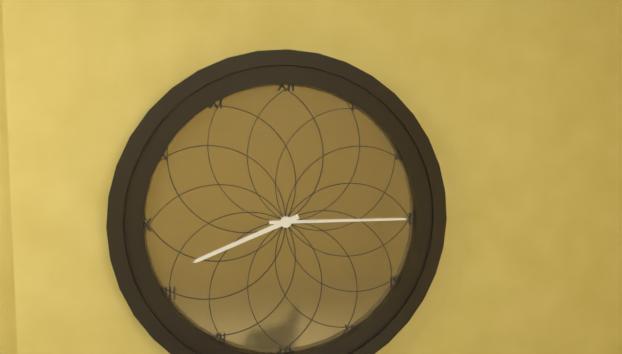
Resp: 8,15
